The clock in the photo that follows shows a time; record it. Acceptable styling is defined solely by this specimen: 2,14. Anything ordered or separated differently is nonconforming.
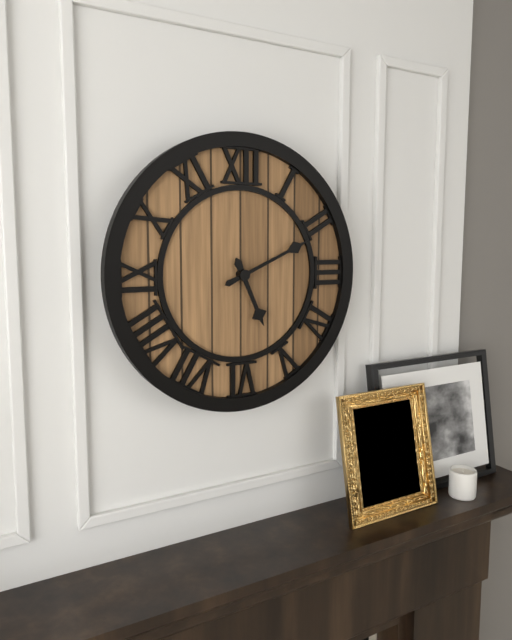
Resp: 5,11
